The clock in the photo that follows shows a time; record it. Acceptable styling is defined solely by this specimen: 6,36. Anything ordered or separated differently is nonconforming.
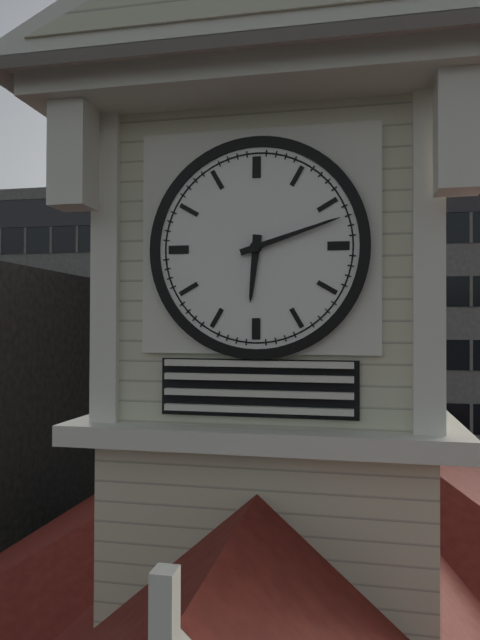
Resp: 6,12
